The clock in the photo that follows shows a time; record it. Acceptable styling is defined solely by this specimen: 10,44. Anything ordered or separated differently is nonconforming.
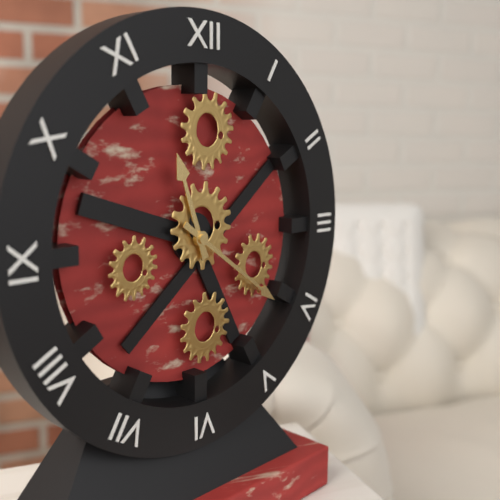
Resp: 11,21
